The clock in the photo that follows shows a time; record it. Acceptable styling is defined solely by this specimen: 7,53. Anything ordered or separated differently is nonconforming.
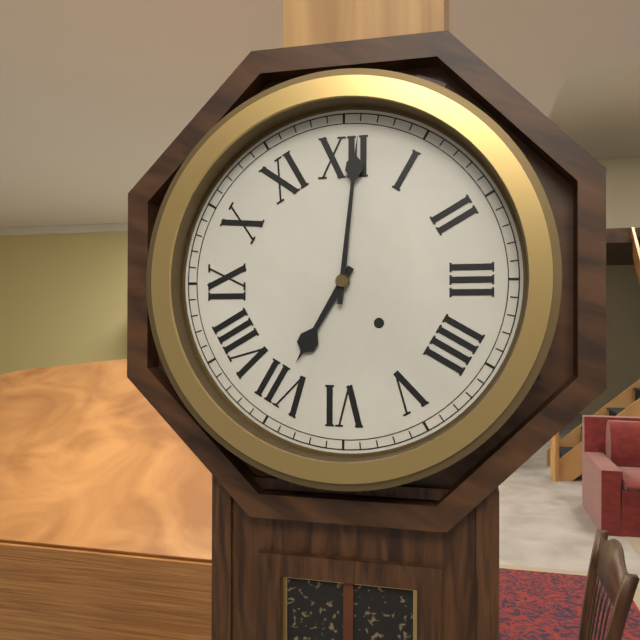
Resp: 7,01
